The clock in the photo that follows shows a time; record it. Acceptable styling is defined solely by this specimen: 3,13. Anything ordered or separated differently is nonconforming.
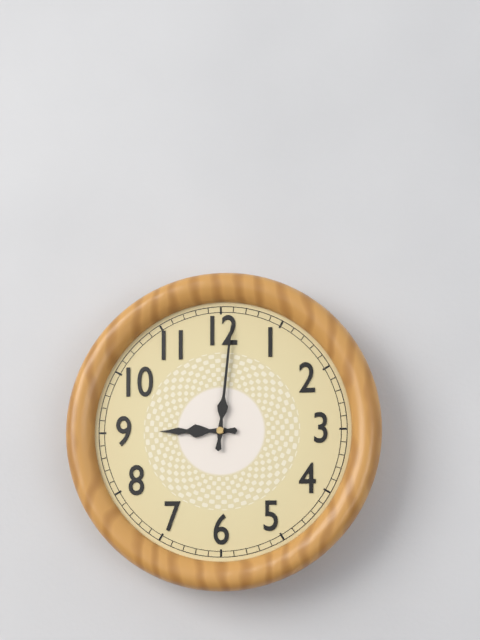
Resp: 9,01
